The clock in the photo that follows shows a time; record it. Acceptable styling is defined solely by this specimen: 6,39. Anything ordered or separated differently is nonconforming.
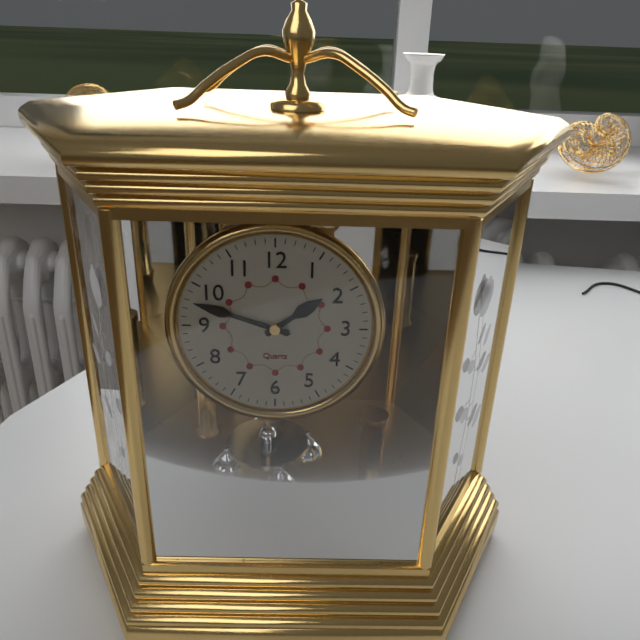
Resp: 1,48
